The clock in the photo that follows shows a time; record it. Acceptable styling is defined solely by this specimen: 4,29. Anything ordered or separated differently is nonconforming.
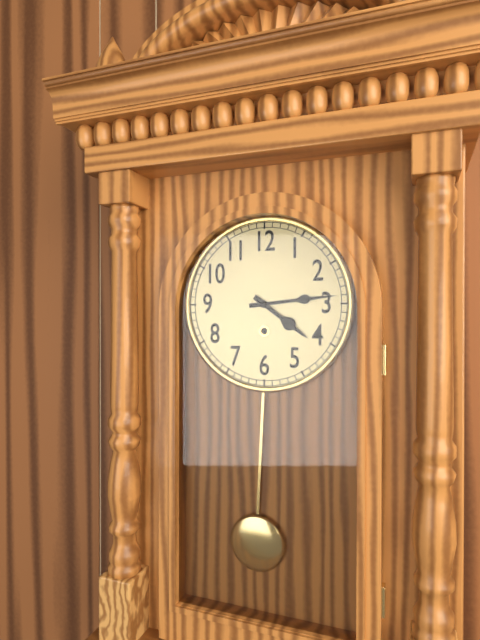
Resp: 4,14
